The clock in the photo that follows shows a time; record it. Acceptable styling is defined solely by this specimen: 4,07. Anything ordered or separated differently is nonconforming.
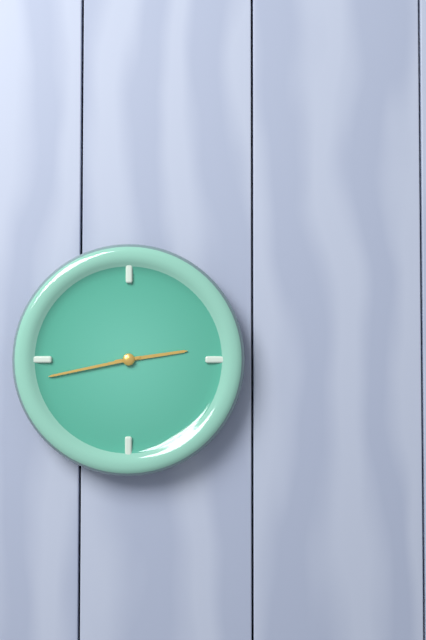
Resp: 2,43
